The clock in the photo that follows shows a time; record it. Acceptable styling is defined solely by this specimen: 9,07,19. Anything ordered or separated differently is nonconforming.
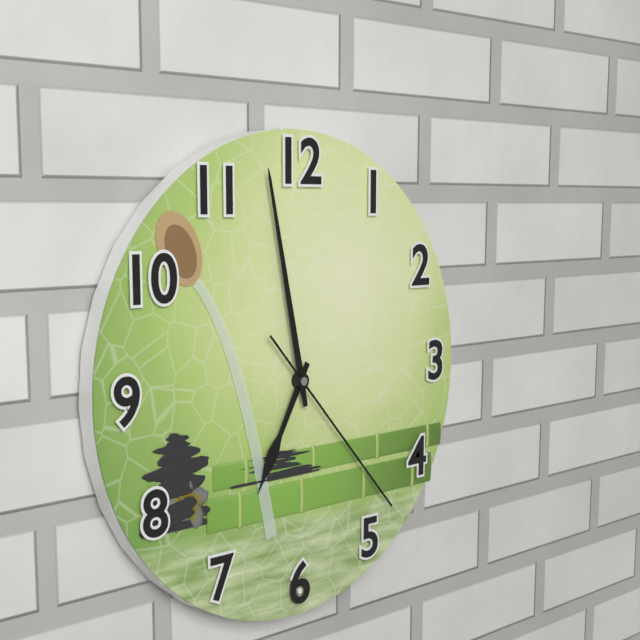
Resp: 6,58,23
